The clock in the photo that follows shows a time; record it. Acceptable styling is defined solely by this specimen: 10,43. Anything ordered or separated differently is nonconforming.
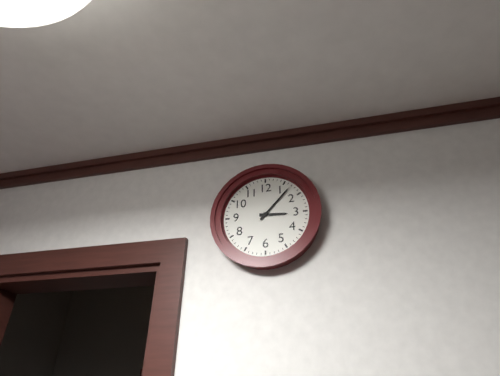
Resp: 3,07
